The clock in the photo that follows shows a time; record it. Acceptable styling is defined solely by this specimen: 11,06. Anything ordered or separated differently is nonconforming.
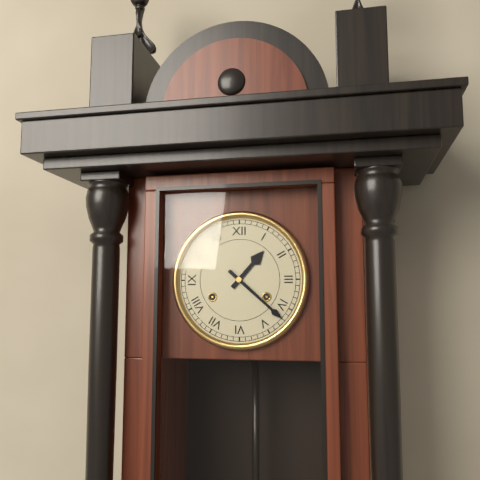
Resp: 1,22
